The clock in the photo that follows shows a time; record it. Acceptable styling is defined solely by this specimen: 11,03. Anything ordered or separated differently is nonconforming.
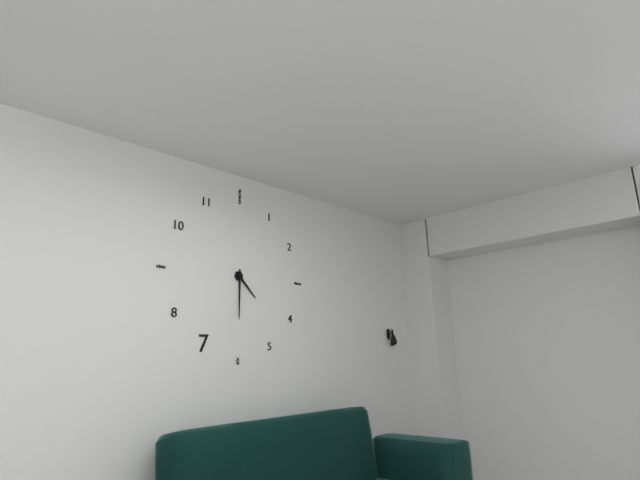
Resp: 4,30
